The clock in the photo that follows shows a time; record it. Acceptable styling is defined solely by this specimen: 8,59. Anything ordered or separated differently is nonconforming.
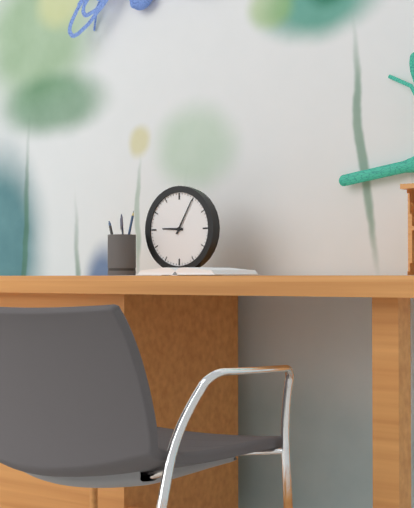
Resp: 9,05
